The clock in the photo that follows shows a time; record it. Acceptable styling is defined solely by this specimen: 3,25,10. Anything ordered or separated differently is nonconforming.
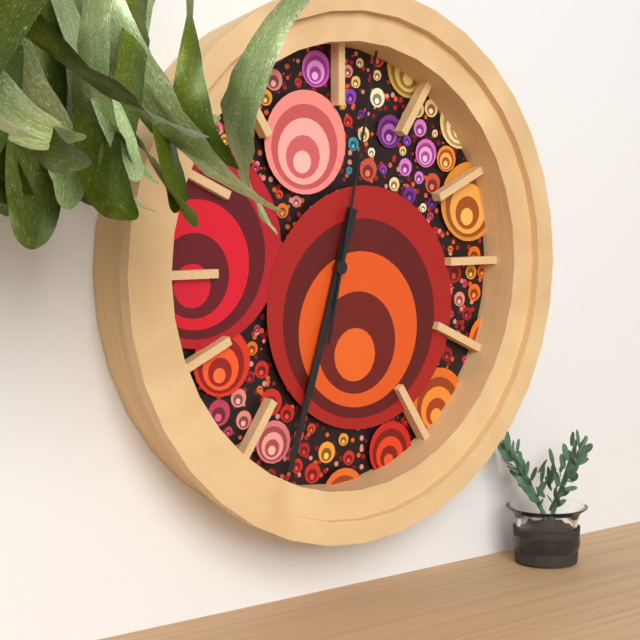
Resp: 6,33,02
